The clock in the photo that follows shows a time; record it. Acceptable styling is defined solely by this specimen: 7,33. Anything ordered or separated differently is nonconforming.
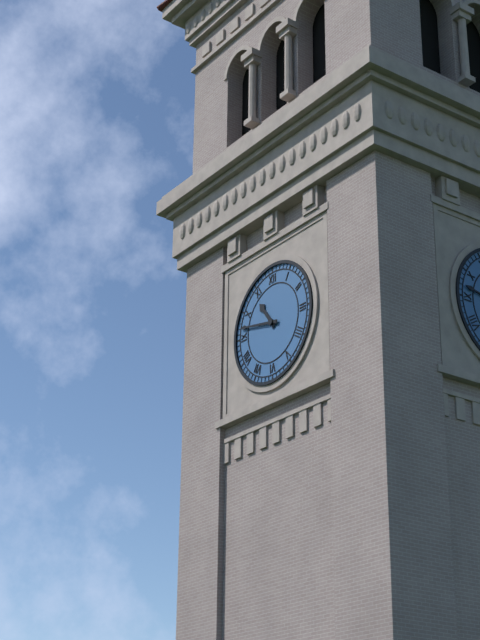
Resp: 10,47
